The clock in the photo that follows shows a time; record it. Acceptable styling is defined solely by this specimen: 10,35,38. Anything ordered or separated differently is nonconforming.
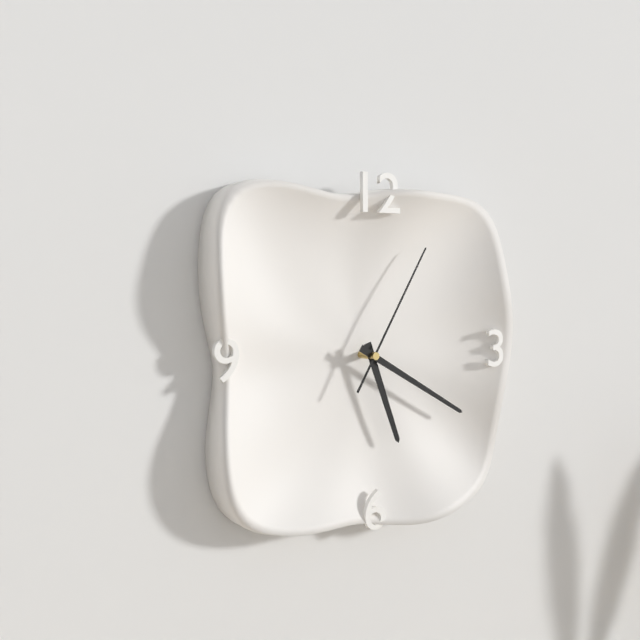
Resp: 5,20,05
